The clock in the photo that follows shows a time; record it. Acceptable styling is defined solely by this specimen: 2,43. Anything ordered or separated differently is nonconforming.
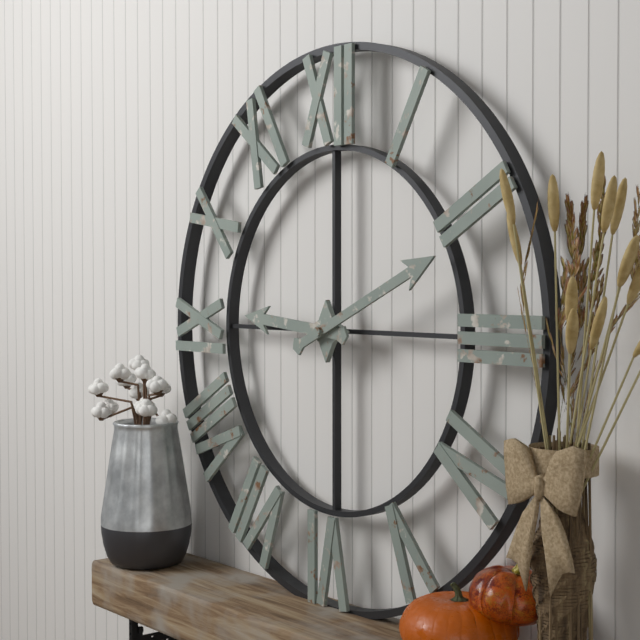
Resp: 9,11
